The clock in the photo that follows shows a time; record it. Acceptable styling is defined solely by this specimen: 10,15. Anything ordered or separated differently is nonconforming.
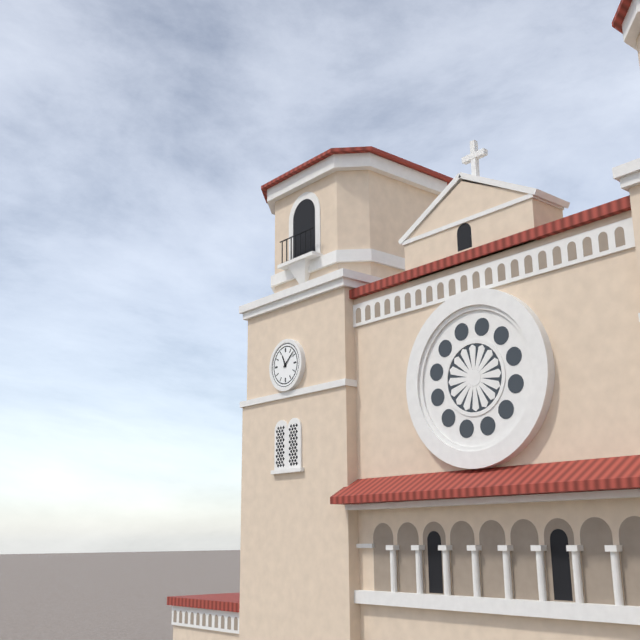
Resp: 11,08
